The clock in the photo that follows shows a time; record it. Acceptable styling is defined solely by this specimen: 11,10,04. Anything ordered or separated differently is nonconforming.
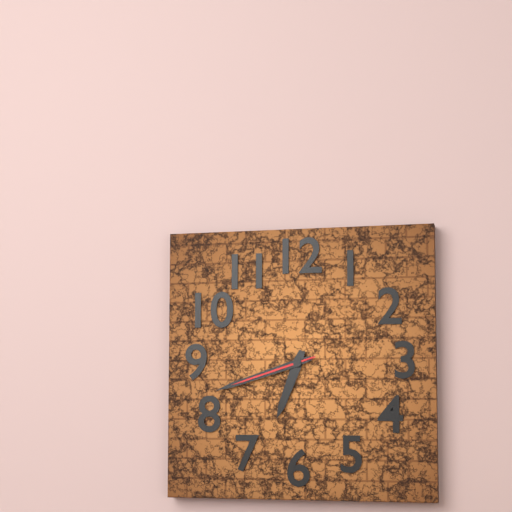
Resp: 6,42,42
